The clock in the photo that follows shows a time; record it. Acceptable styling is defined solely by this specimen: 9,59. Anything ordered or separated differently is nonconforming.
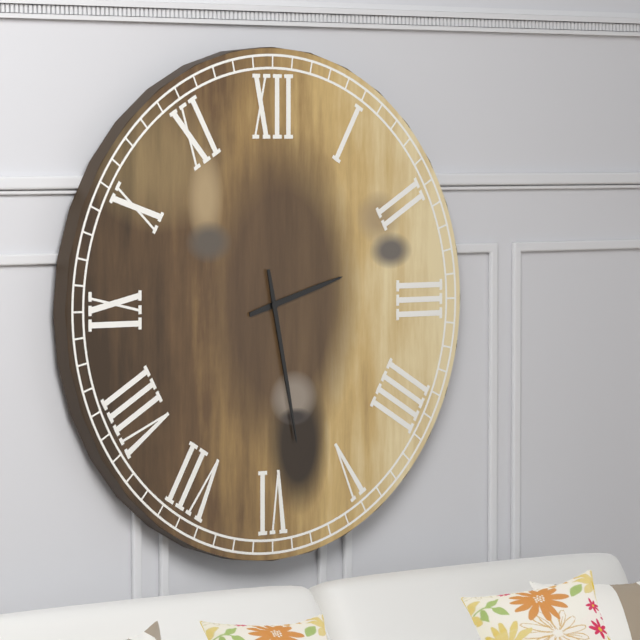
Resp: 2,28
